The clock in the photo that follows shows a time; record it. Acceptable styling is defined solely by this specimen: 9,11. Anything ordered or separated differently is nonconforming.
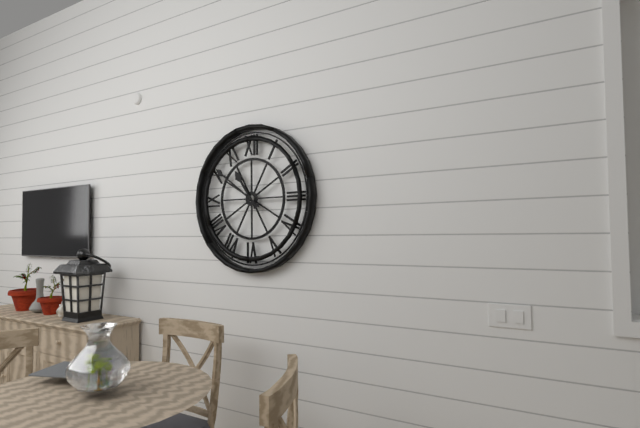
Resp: 10,51
